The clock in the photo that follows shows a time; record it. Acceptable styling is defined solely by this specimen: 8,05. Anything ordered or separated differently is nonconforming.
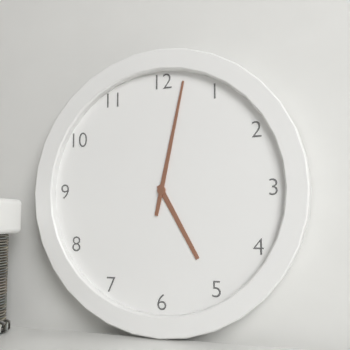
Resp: 5,02
